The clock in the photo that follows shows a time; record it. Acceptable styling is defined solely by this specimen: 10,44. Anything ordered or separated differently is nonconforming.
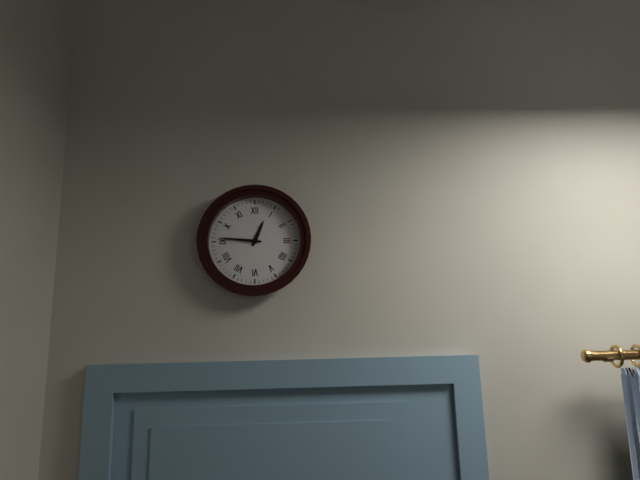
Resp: 12,46
